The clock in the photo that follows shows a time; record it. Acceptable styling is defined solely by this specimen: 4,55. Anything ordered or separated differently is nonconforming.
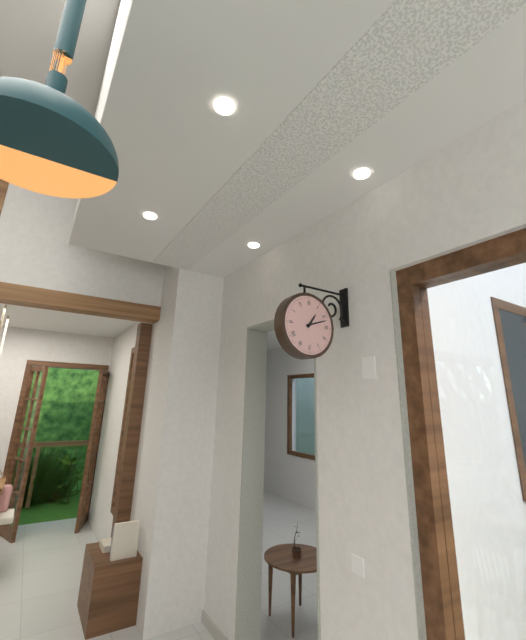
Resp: 1,12
